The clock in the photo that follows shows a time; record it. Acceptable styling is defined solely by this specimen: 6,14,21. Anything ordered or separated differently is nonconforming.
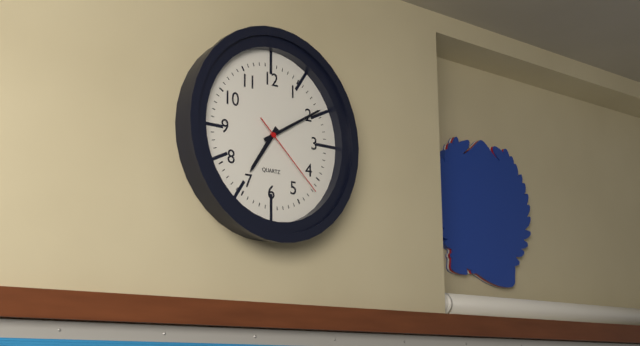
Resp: 7,10,22
